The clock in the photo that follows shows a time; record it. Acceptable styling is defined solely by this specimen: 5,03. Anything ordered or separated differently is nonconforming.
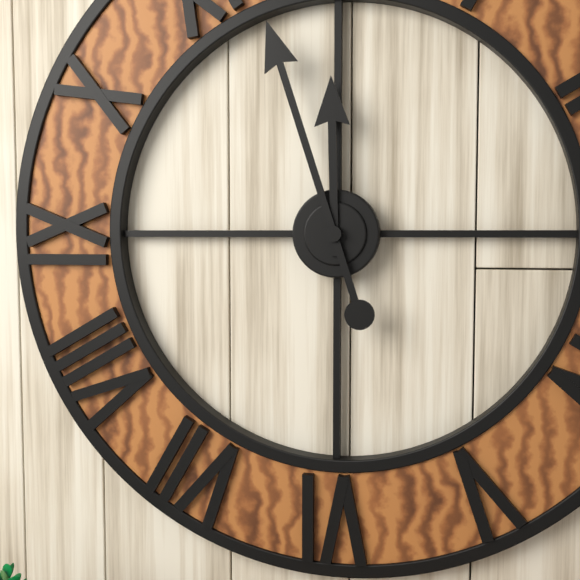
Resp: 11,57
